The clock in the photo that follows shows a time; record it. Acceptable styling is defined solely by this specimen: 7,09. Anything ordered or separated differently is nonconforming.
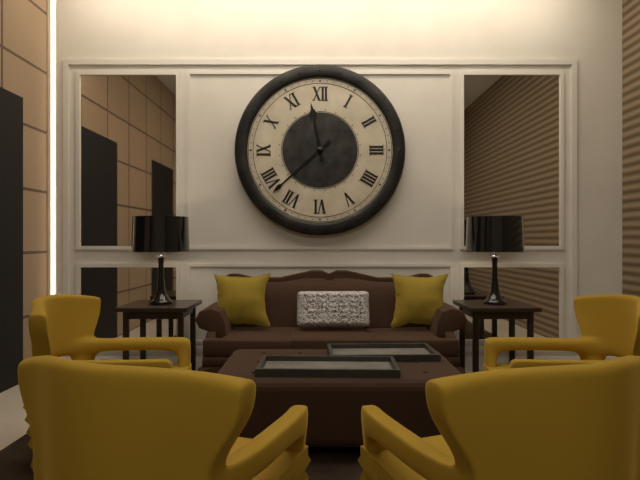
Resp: 11,38
